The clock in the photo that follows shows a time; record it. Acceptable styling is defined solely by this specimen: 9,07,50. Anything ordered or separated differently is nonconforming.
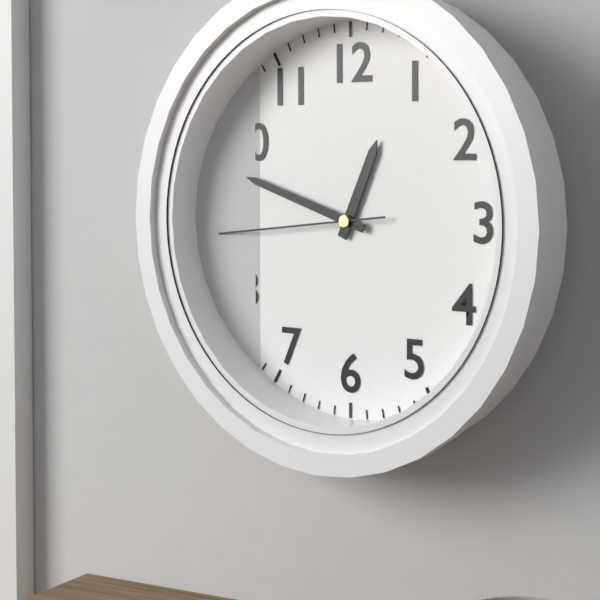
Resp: 12,48,44
